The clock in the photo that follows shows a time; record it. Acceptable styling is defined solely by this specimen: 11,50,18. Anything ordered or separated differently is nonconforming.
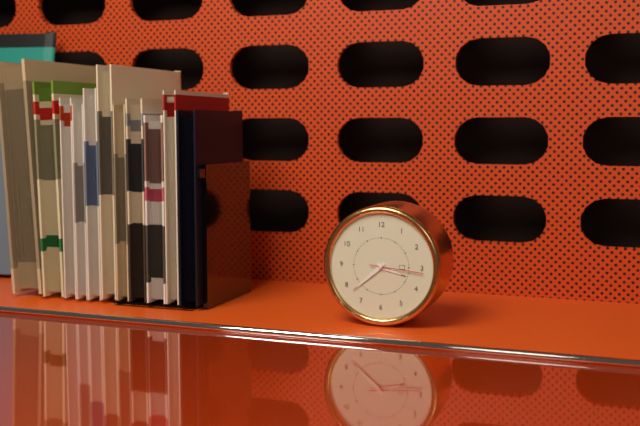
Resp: 3,38,16
